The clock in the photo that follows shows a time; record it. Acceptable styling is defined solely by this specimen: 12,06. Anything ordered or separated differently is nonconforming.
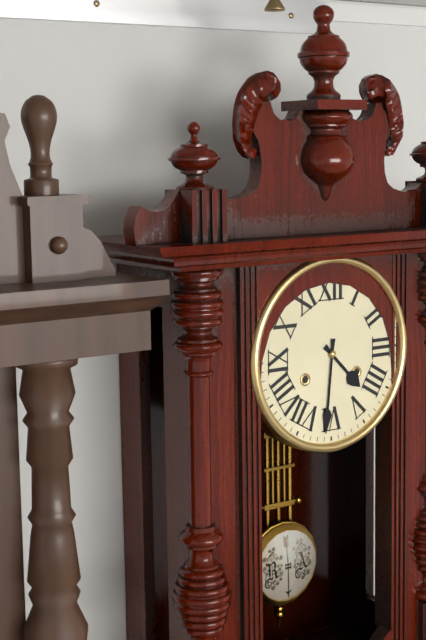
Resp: 4,31
